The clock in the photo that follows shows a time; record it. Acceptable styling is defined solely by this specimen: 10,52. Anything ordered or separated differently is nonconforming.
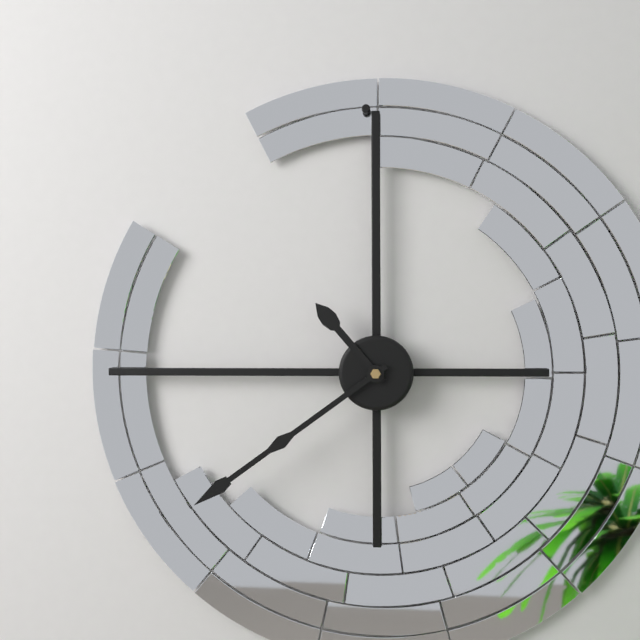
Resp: 10,39
